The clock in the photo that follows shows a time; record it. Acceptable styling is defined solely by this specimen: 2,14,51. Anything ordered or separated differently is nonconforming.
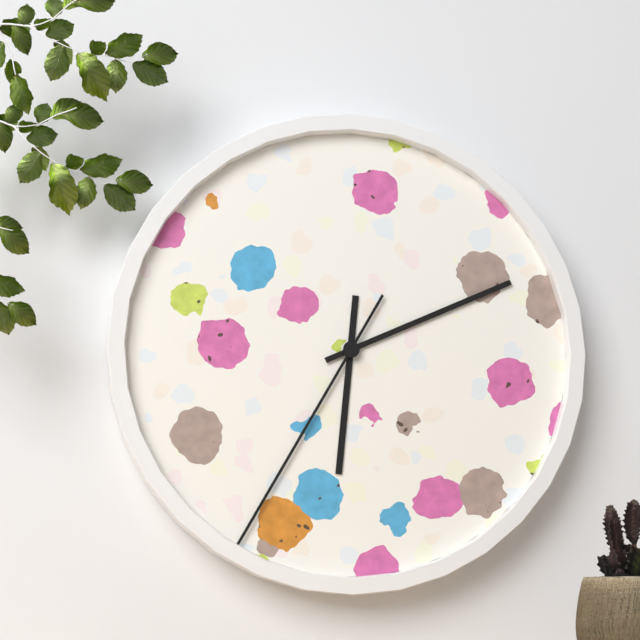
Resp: 6,11,35
